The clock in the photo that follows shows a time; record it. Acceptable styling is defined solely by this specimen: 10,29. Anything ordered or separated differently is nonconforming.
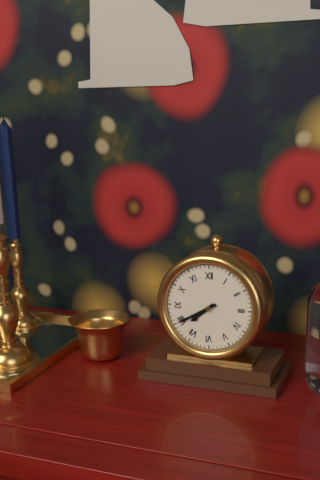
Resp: 7,40
